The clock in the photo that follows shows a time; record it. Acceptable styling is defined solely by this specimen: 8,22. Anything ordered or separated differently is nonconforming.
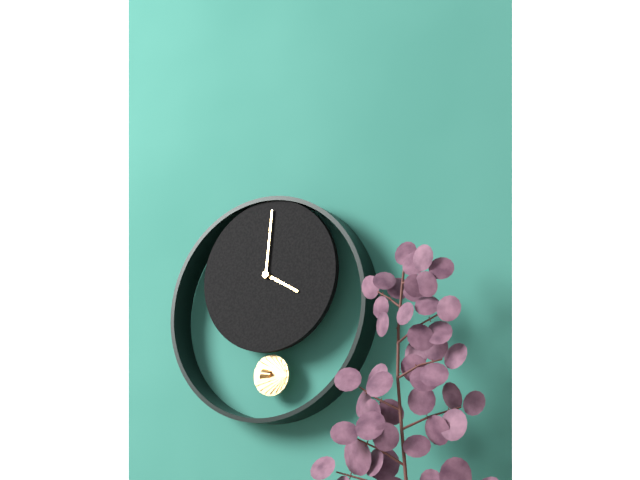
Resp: 4,01
